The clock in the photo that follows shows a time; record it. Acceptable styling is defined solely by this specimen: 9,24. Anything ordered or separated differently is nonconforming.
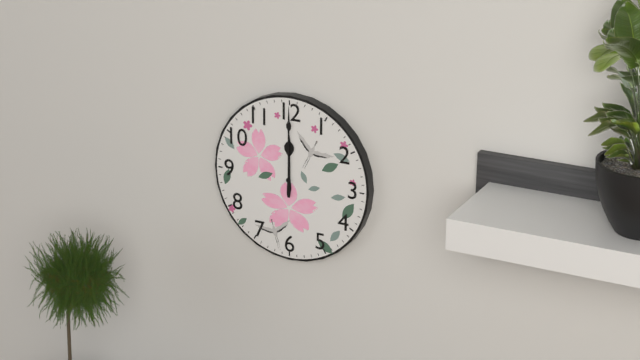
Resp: 12,00
